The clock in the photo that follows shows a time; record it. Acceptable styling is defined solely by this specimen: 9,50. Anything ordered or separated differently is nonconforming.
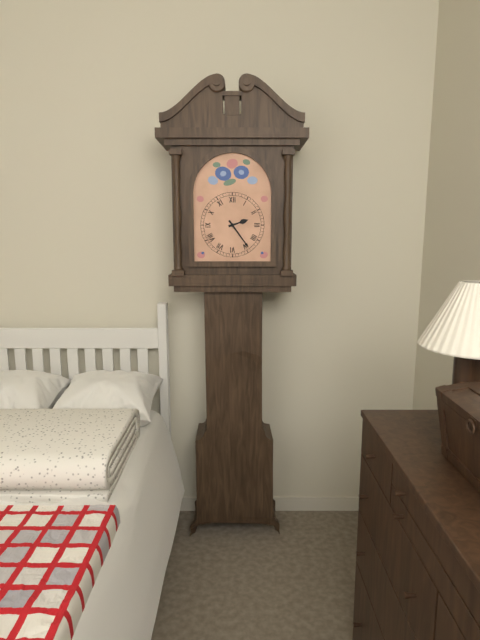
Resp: 2,24
